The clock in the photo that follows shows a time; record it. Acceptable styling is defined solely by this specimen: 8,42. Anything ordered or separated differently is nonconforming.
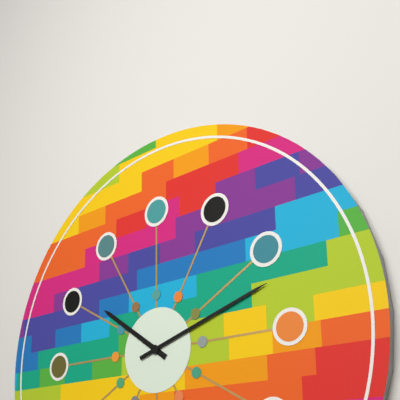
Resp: 10,12
